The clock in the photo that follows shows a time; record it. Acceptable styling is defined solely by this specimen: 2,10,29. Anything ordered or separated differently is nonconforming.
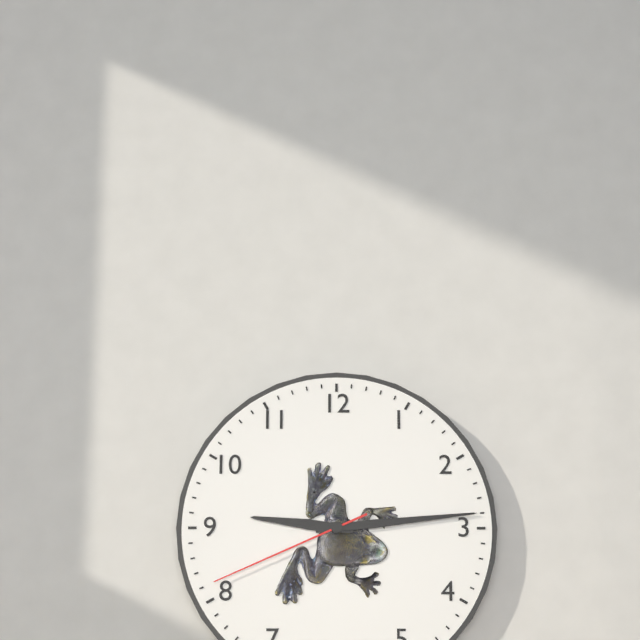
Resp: 9,14,41
